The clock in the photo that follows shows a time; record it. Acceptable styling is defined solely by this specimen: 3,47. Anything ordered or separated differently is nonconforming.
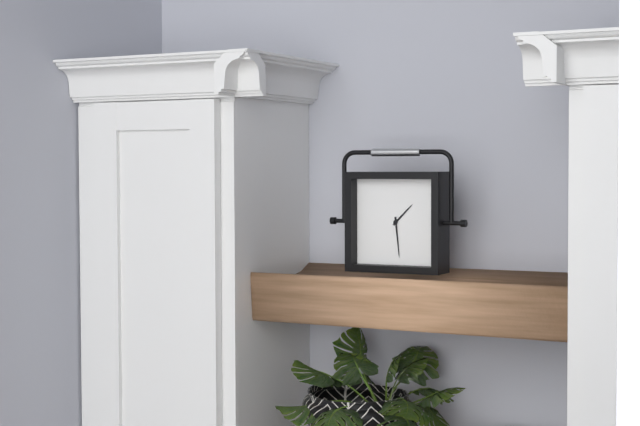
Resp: 1,29
